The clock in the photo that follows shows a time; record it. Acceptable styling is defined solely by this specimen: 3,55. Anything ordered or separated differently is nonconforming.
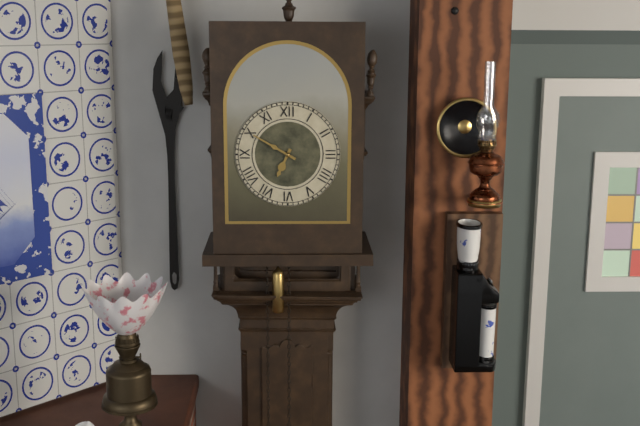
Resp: 6,50
